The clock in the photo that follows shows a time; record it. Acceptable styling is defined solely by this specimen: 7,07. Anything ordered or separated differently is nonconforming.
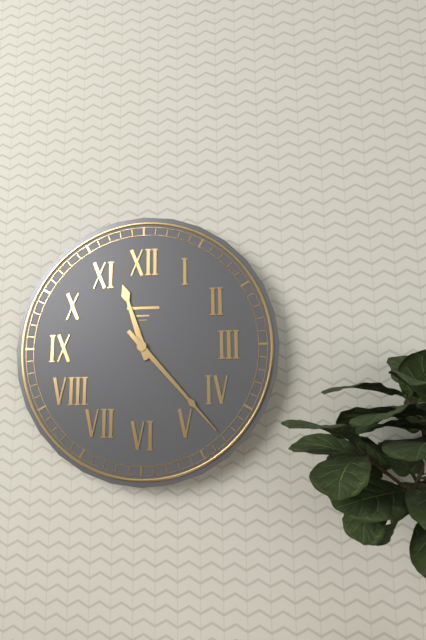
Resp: 11,23
